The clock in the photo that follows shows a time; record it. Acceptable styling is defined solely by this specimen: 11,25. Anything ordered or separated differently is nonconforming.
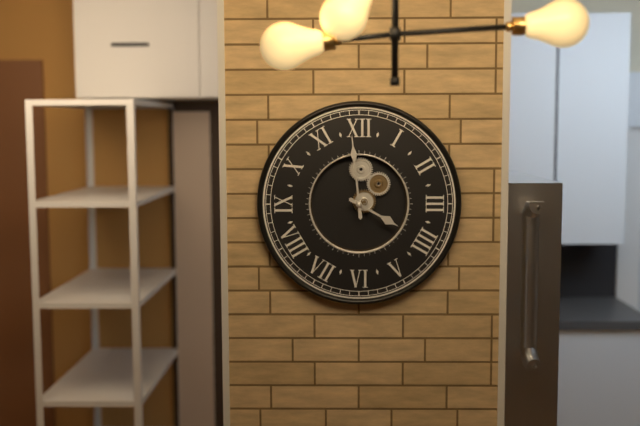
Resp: 3,59
